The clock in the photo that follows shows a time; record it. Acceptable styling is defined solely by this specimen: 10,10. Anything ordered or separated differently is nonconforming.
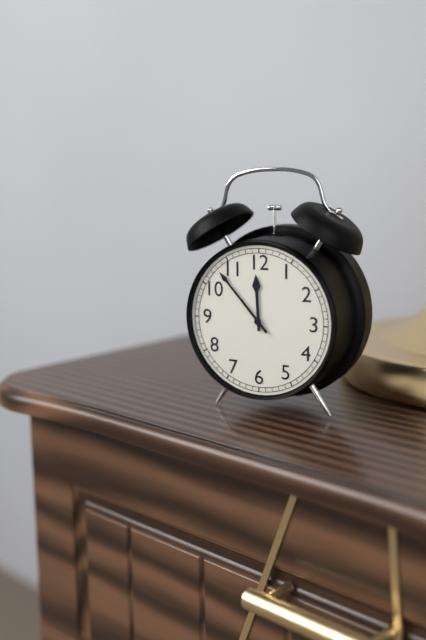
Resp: 11,53
